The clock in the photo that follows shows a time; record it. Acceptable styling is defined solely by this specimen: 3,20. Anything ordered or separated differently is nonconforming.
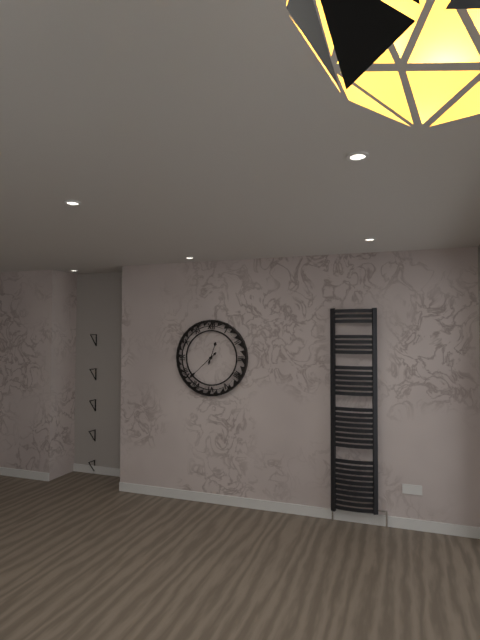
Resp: 12,38
